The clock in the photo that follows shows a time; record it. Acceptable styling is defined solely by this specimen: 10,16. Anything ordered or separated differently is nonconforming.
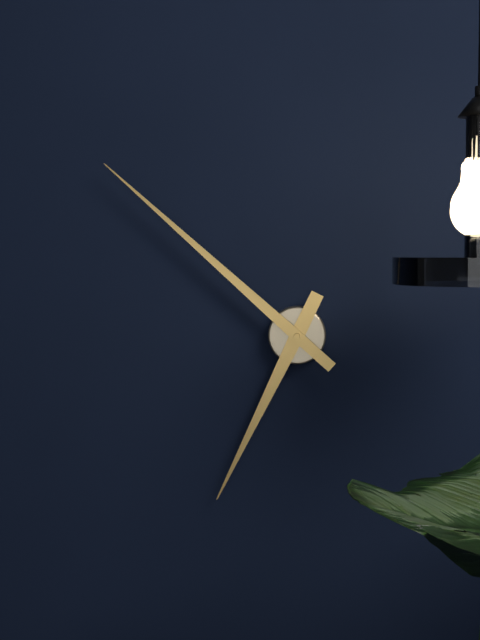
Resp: 6,52
